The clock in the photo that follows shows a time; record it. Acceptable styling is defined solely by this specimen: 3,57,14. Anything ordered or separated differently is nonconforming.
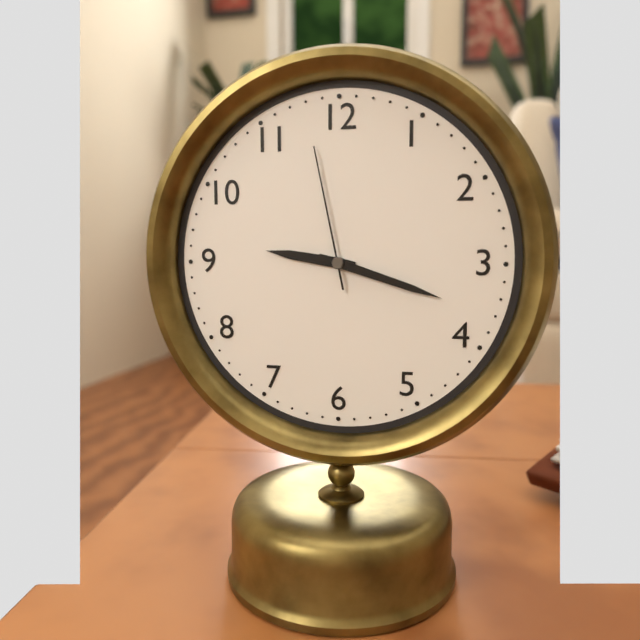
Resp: 9,18,58
